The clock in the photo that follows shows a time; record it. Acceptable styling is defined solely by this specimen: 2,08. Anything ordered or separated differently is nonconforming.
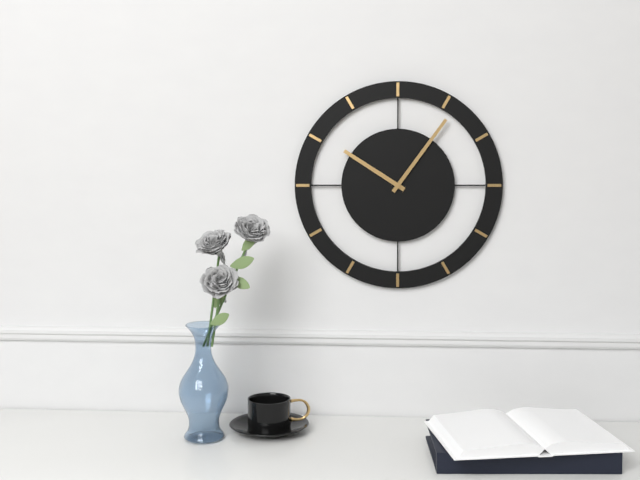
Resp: 10,06
